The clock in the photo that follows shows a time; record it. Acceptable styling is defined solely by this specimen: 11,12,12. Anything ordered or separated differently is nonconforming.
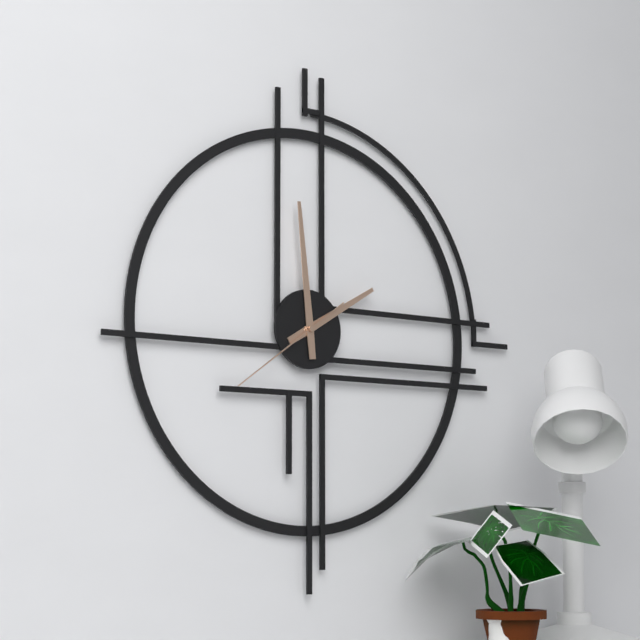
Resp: 1,59,39
